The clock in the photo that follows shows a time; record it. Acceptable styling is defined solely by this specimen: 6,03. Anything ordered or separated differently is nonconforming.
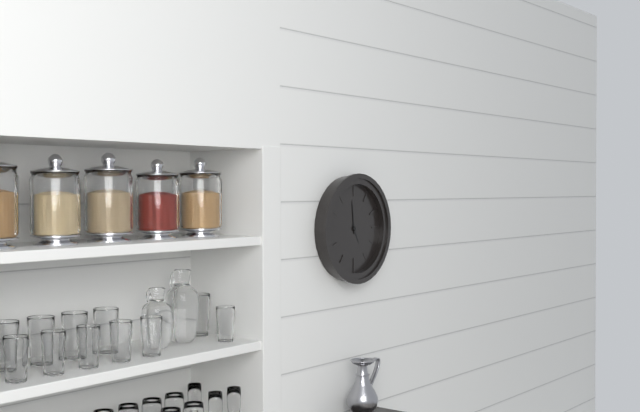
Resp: 4,59
